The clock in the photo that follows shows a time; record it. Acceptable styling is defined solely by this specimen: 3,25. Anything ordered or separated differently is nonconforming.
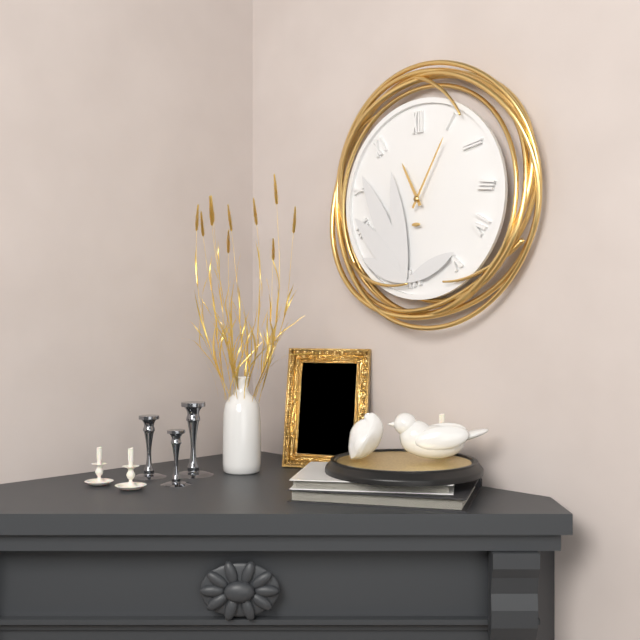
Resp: 11,05
